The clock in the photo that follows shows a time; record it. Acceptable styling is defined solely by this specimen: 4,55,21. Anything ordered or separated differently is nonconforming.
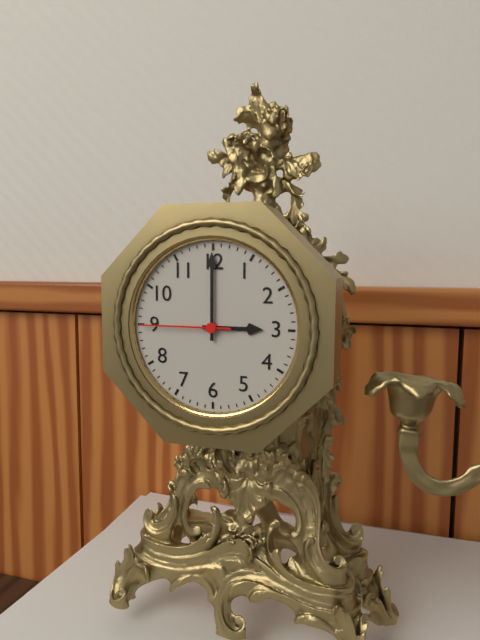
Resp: 3,00,45
